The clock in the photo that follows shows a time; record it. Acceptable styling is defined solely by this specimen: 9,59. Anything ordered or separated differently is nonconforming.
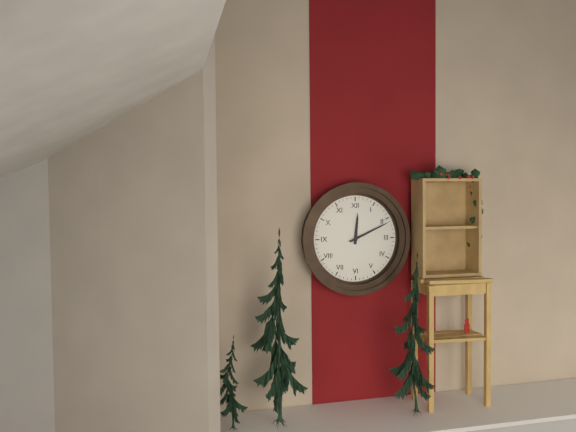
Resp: 12,11
